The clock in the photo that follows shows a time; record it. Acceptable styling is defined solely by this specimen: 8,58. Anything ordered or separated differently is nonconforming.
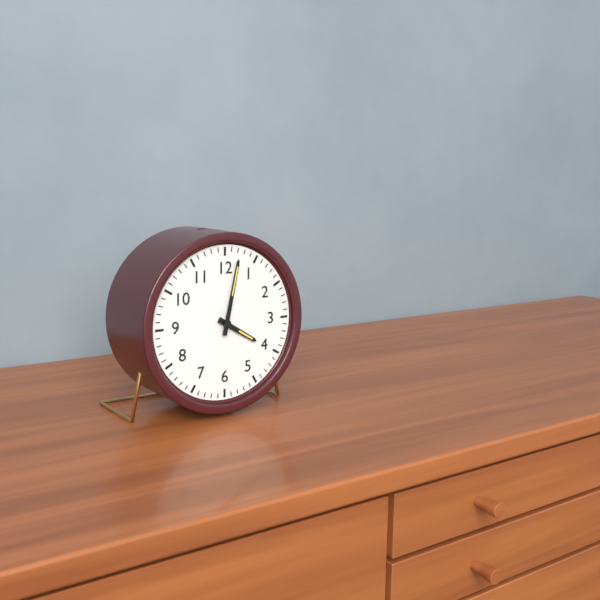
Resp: 4,02
